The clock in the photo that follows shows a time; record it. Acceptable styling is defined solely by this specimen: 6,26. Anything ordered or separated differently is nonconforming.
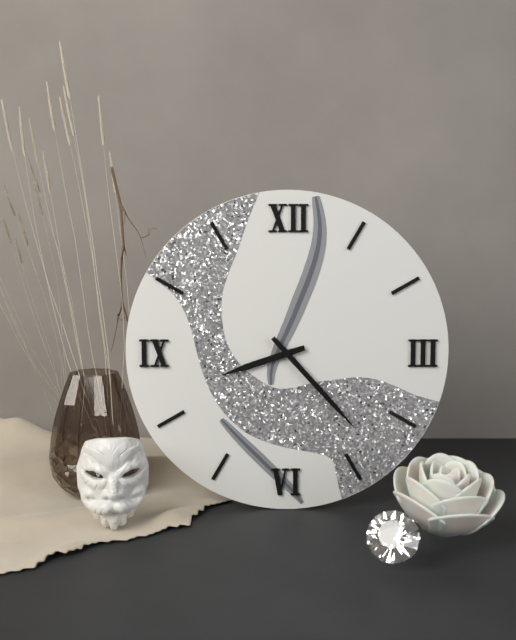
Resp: 8,23
